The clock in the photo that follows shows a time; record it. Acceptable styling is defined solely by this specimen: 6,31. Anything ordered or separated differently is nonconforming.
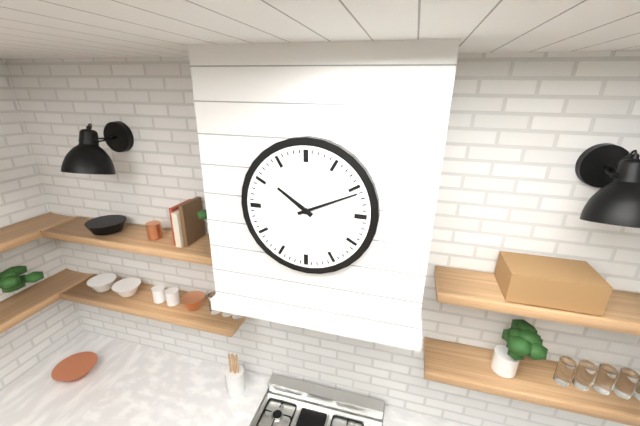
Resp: 10,11
